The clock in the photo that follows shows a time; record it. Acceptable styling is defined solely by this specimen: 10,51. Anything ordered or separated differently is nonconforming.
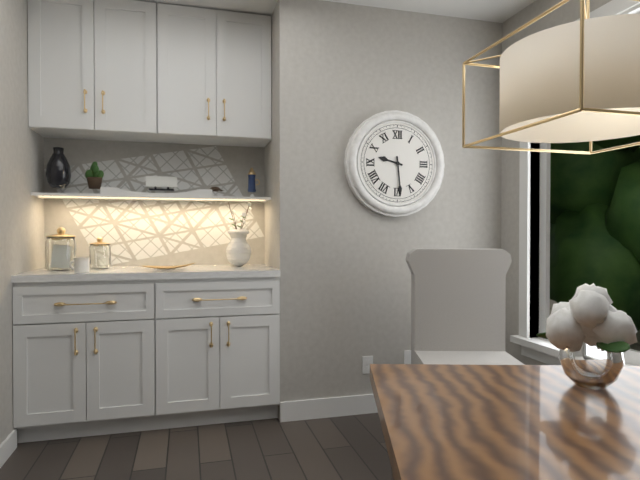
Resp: 9,29
